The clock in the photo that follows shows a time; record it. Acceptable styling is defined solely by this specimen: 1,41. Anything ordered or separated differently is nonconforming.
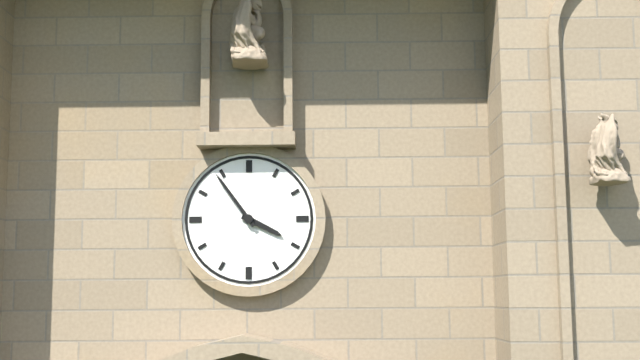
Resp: 3,54
